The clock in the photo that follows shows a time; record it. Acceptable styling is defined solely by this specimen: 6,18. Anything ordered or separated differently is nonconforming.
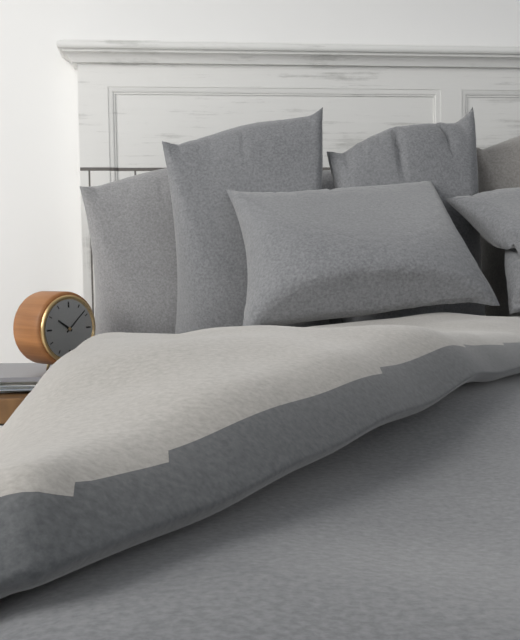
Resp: 10,08
